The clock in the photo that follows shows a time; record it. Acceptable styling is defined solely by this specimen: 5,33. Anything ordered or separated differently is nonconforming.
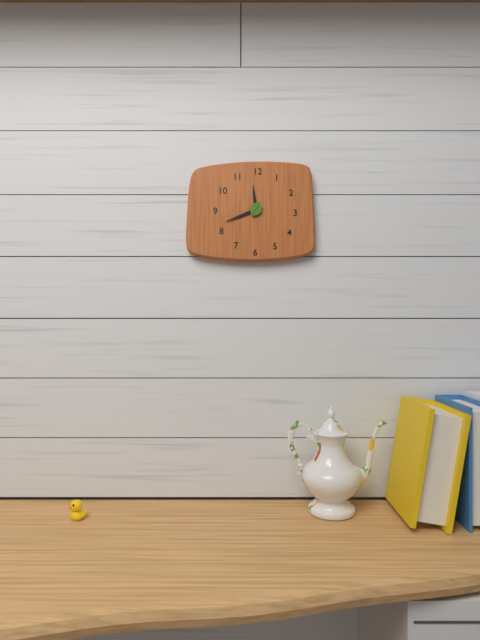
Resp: 11,41
